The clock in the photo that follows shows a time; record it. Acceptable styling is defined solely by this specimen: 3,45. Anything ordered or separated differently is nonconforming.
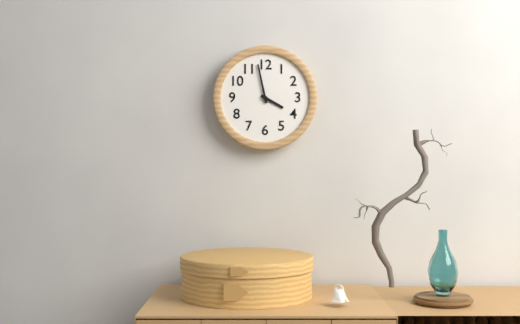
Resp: 3,58
